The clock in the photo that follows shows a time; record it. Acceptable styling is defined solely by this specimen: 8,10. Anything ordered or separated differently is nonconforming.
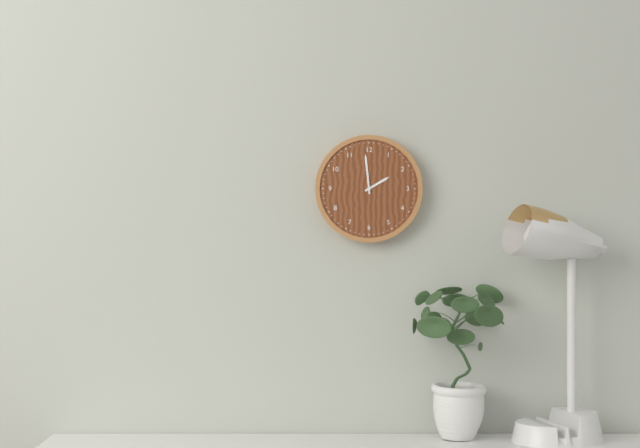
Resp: 1,59
